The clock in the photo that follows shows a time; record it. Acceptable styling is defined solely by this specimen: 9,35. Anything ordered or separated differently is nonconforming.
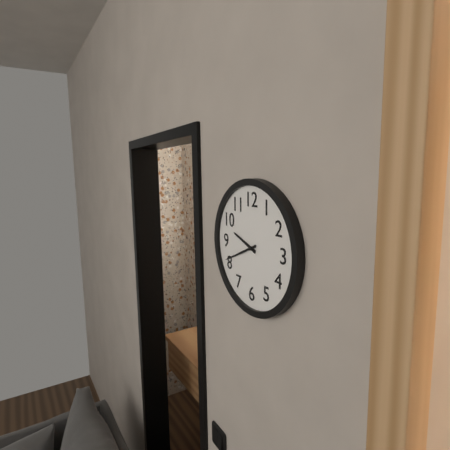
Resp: 9,41
